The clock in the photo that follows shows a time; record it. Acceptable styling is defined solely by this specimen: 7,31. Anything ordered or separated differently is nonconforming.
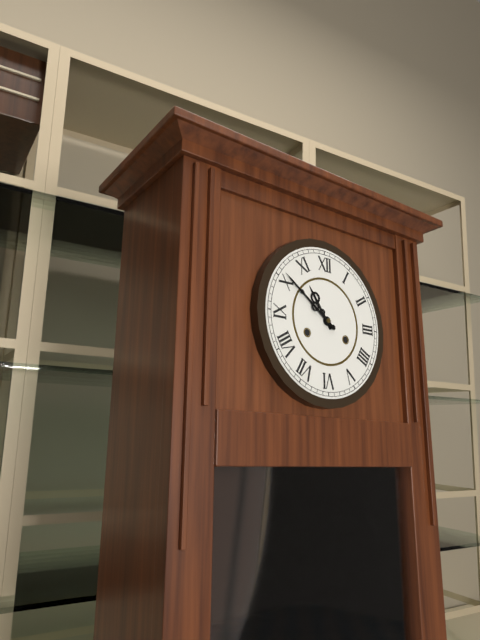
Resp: 10,51
